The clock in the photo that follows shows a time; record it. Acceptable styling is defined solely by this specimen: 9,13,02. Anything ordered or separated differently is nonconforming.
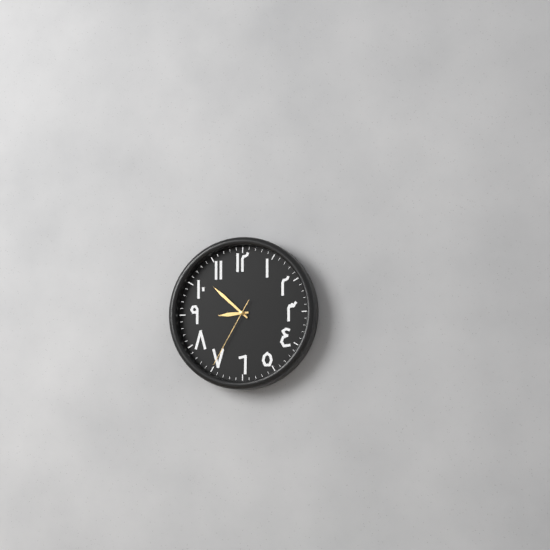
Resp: 8,52,35
